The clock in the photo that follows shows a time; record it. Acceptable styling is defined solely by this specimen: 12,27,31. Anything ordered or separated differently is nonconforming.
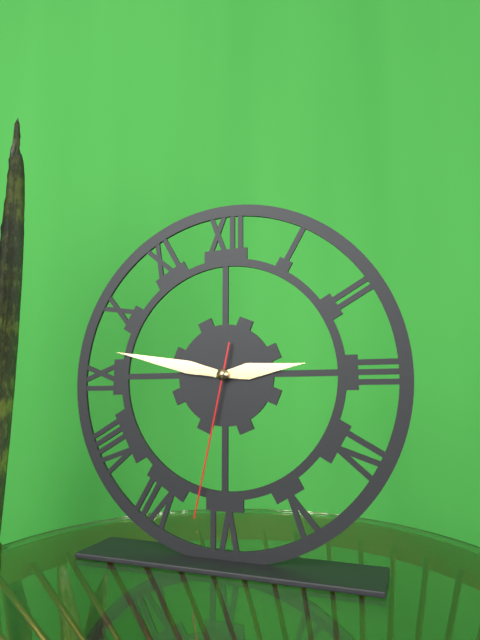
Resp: 2,47,32
